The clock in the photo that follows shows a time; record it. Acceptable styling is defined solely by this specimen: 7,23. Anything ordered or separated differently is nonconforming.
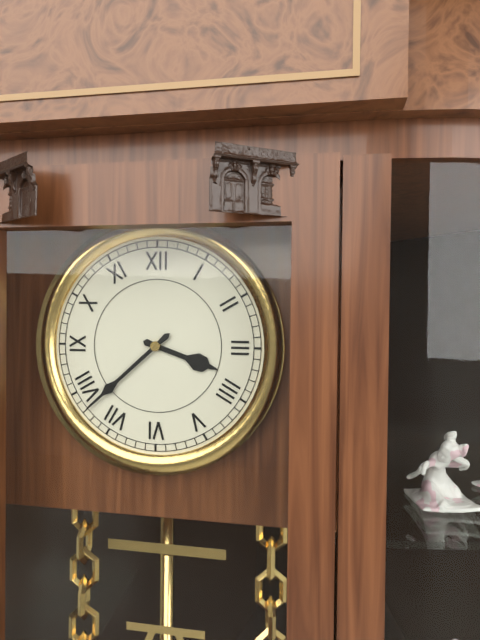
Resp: 3,38
